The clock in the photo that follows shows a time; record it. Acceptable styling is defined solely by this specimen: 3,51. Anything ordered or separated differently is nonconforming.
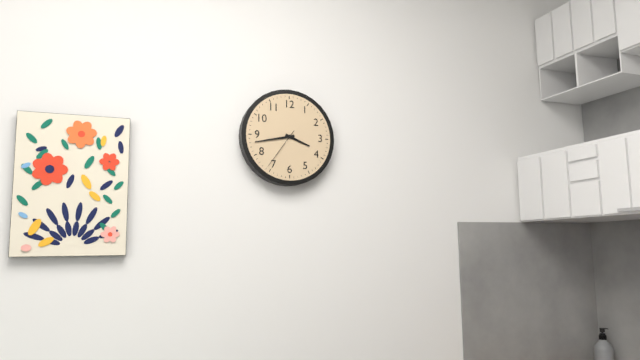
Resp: 3,43
